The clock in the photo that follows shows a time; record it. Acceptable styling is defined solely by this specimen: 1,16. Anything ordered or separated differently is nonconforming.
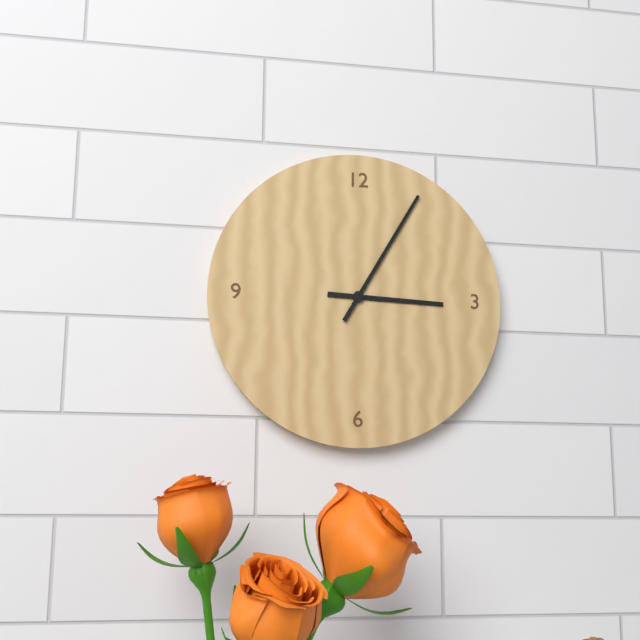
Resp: 3,05
